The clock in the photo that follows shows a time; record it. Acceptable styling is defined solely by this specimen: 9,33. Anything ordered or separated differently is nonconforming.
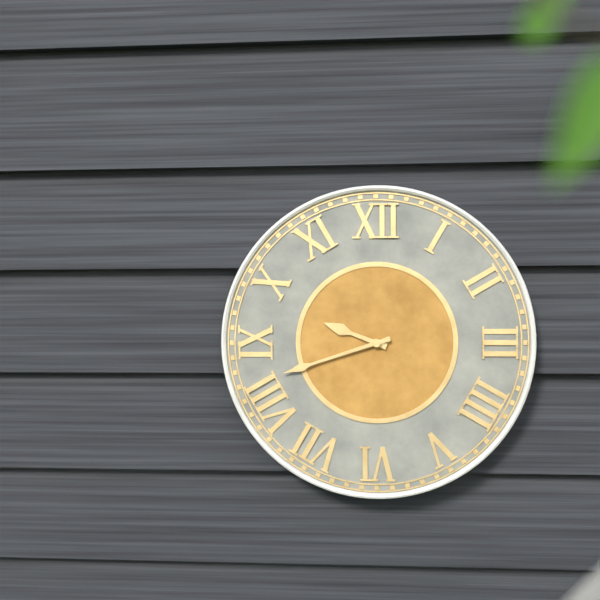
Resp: 9,42
